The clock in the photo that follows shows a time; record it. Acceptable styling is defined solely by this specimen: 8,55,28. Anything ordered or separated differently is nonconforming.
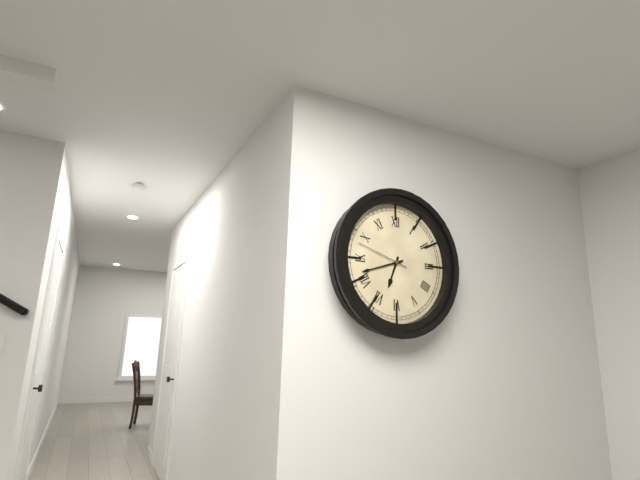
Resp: 6,42,48
